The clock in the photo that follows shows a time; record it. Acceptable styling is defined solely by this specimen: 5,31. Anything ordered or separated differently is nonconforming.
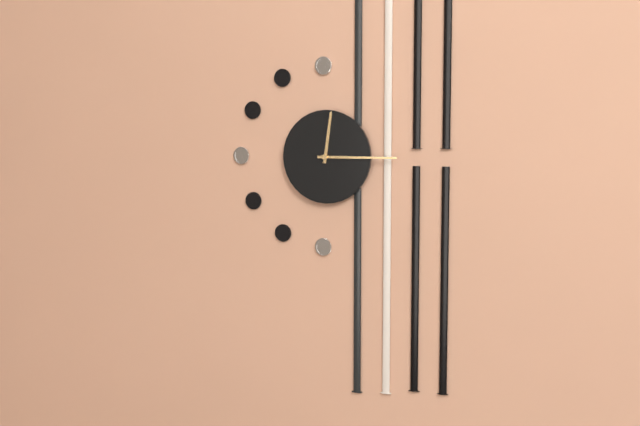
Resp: 12,15
